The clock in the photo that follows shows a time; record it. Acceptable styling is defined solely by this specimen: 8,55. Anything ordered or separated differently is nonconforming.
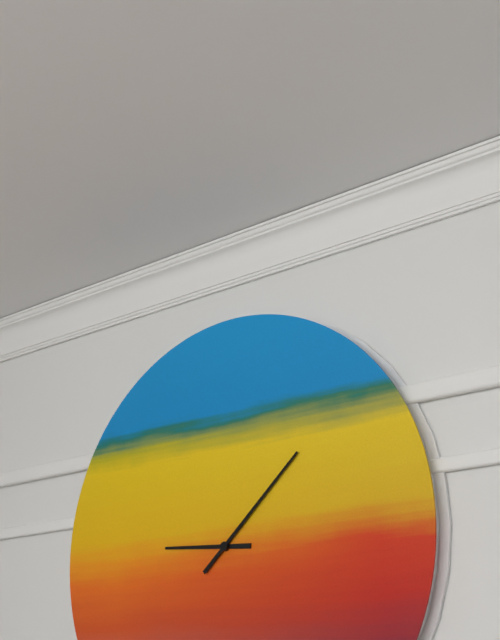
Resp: 9,08
